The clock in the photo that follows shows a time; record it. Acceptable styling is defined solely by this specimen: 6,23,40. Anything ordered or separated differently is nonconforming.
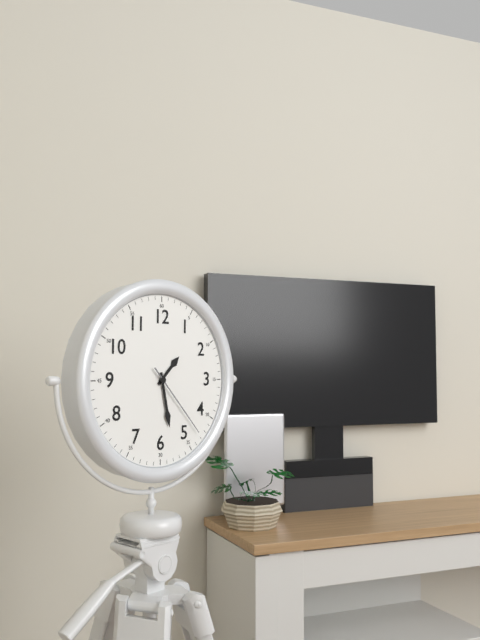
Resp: 1,28,23
